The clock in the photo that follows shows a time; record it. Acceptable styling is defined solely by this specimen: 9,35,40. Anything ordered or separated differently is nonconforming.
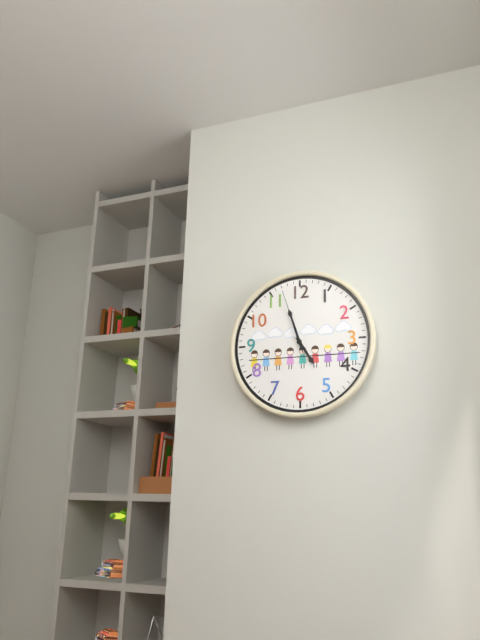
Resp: 4,57,57
